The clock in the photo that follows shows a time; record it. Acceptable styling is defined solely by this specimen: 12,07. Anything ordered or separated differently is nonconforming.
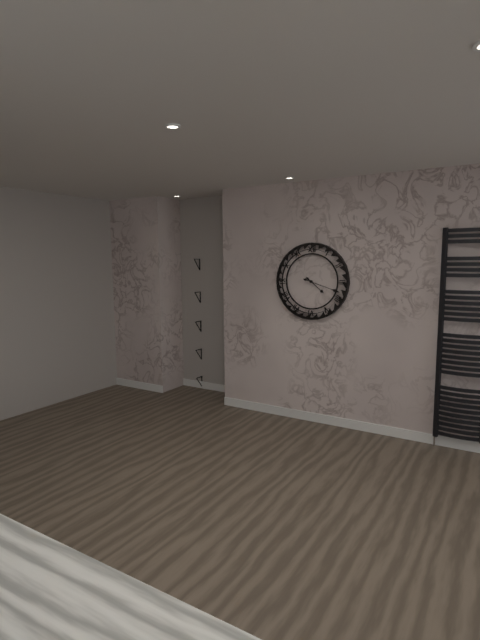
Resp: 4,18
